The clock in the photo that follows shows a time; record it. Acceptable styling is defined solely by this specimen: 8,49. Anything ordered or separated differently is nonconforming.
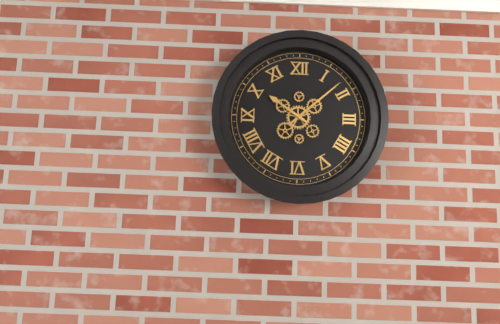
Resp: 10,08
